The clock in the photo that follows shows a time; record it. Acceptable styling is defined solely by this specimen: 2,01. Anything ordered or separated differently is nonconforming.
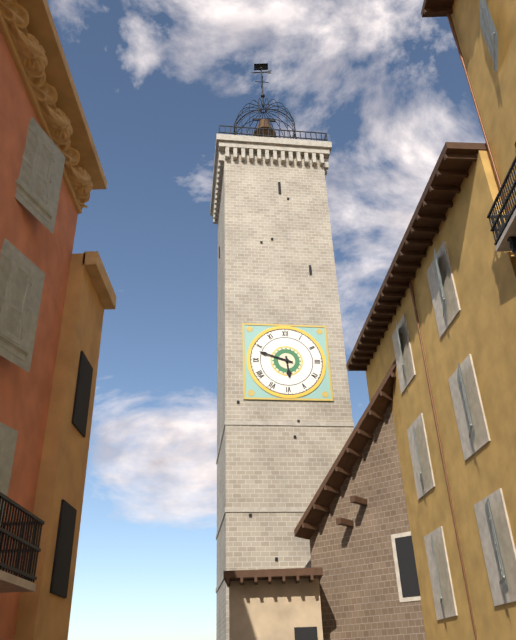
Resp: 5,48
